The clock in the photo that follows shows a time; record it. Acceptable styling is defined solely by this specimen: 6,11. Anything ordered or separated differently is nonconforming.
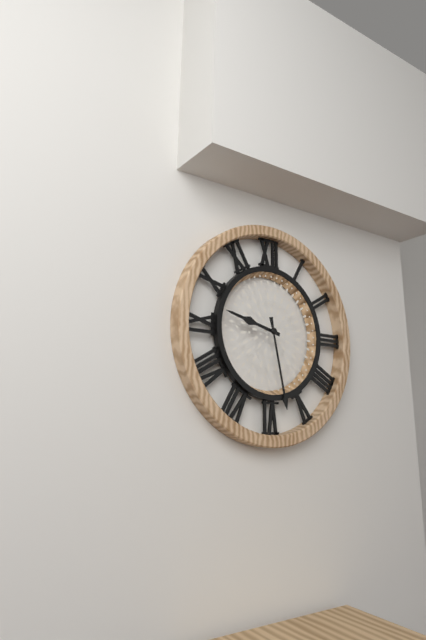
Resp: 9,28
